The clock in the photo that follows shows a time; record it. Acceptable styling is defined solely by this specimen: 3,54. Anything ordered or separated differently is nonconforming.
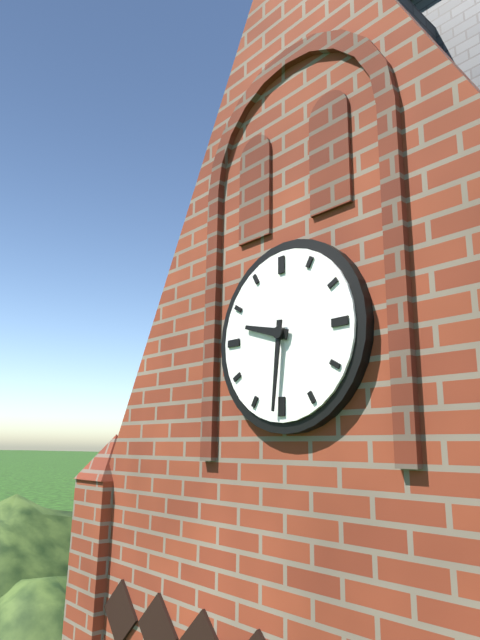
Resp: 9,31
